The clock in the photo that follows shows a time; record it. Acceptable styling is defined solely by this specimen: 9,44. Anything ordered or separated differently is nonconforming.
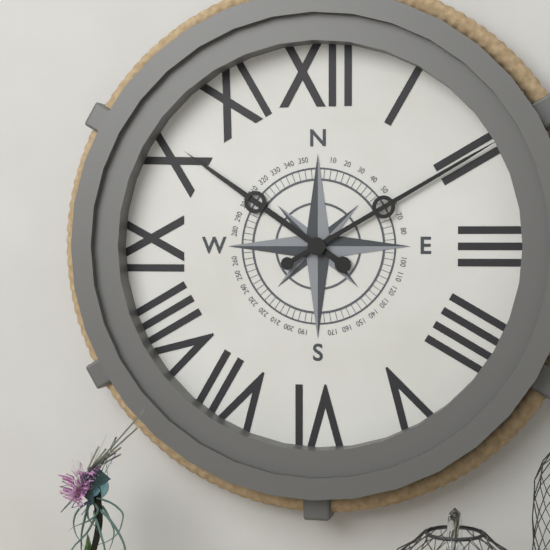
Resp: 10,10
